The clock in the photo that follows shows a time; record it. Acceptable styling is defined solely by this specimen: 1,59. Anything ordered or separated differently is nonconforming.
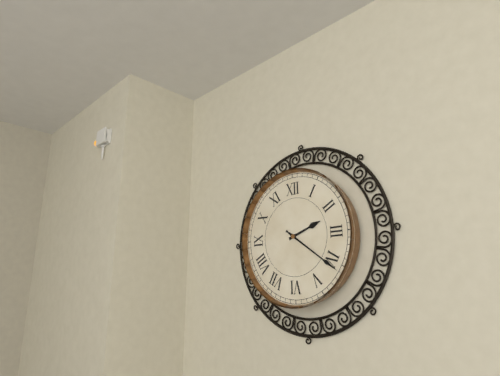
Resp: 2,21
